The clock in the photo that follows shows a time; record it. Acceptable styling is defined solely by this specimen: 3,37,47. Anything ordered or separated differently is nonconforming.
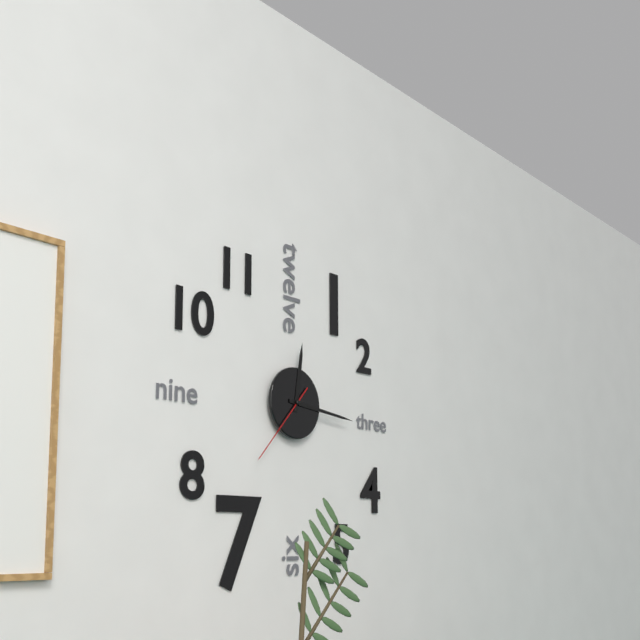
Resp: 12,16,37
